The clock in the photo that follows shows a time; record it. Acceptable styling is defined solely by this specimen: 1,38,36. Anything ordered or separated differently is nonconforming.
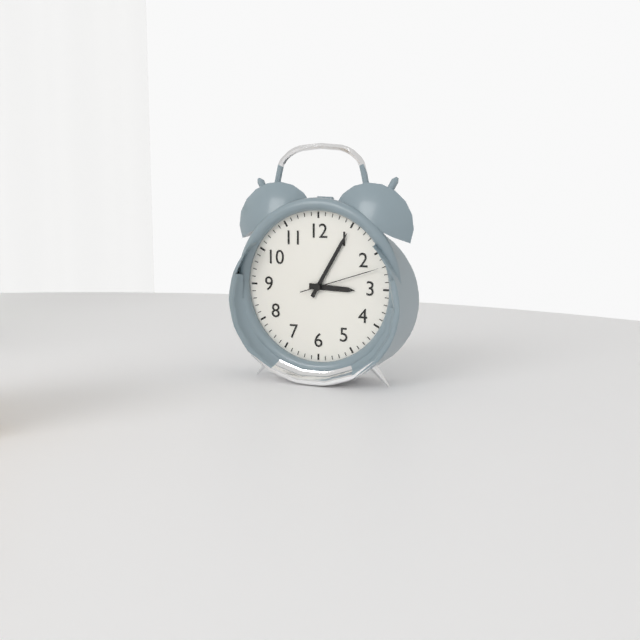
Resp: 3,05,12
